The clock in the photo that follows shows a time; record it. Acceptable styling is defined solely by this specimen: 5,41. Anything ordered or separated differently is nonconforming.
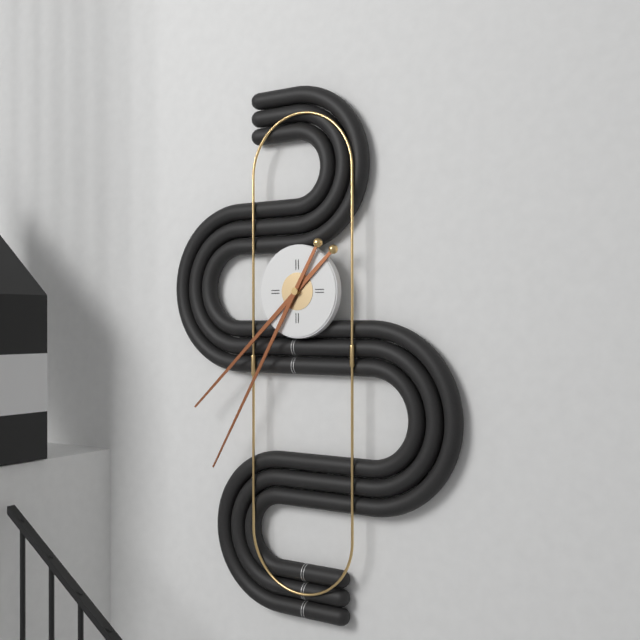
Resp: 7,35
